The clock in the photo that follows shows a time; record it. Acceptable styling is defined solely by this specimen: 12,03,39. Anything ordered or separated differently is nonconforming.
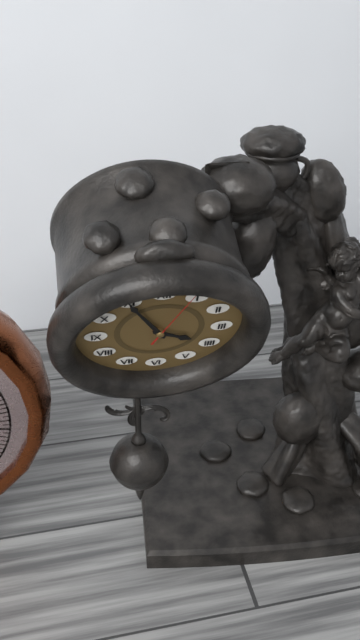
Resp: 3,55,04
